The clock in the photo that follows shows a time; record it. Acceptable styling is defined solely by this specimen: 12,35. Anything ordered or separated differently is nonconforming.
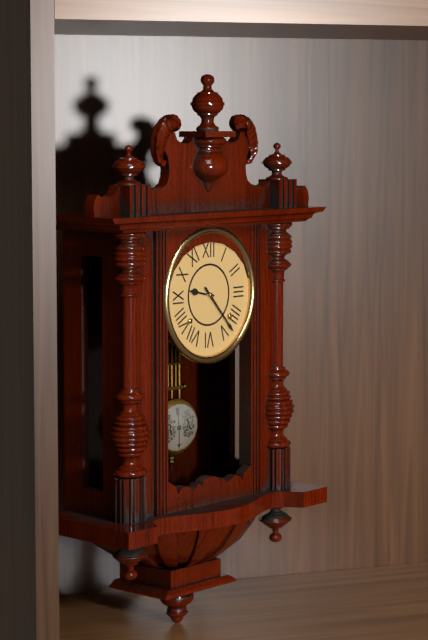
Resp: 9,23
